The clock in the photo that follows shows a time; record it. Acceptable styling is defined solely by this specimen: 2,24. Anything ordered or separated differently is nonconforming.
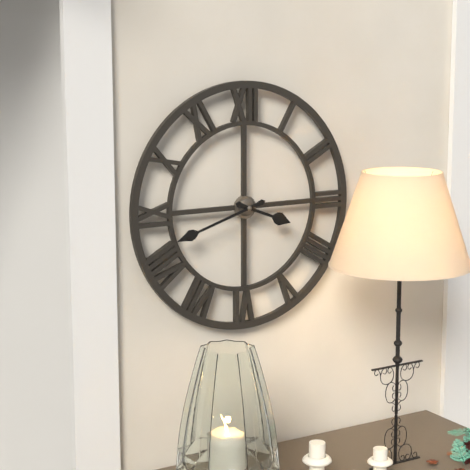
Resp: 3,42
